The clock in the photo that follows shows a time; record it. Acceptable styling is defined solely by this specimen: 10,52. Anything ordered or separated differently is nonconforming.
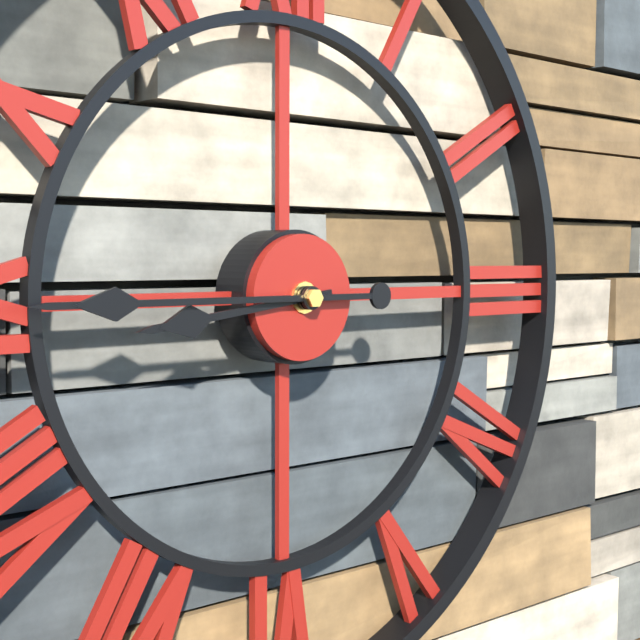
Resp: 8,45
